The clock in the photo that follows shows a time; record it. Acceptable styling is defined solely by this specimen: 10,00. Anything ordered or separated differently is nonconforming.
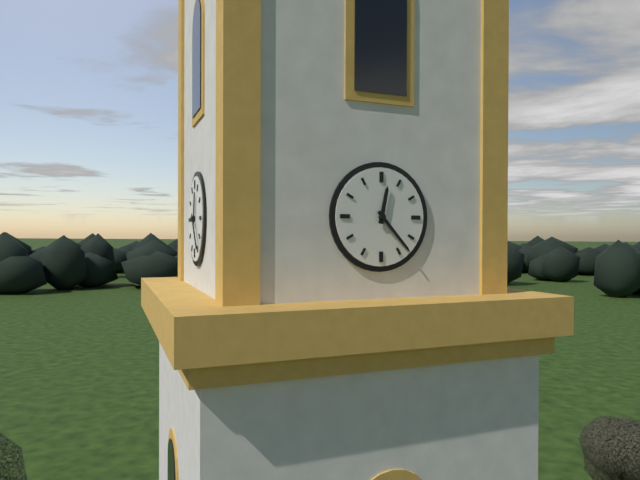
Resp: 12,23
